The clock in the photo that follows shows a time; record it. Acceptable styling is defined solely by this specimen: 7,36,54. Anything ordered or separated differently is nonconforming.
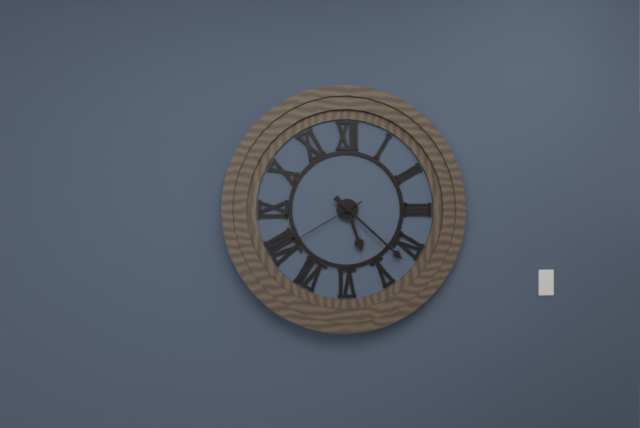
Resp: 5,22,40
